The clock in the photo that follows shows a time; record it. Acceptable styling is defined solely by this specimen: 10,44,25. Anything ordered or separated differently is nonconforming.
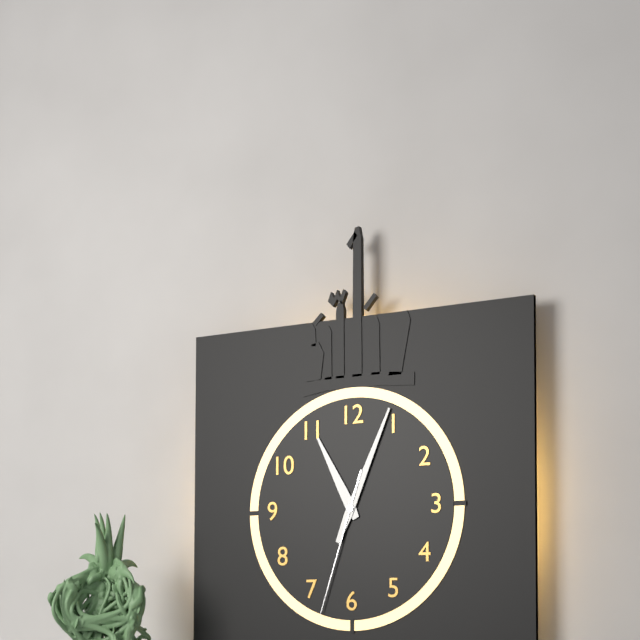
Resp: 11,04,33
